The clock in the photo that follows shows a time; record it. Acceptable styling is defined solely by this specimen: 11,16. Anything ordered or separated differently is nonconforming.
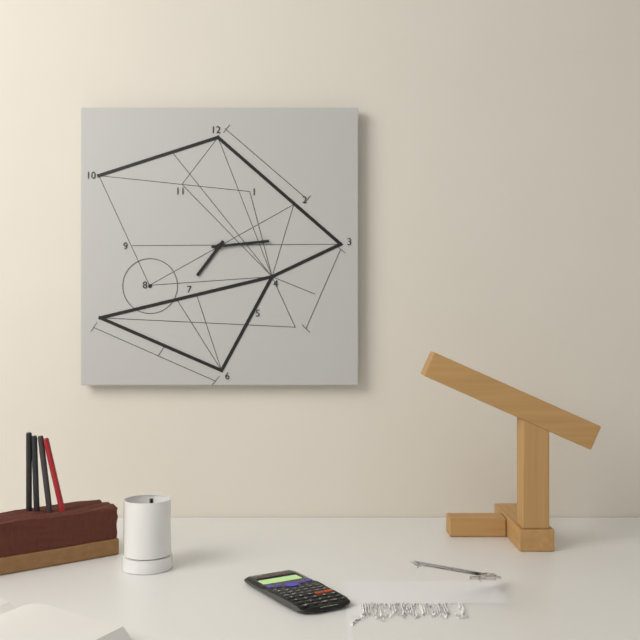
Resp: 7,14
